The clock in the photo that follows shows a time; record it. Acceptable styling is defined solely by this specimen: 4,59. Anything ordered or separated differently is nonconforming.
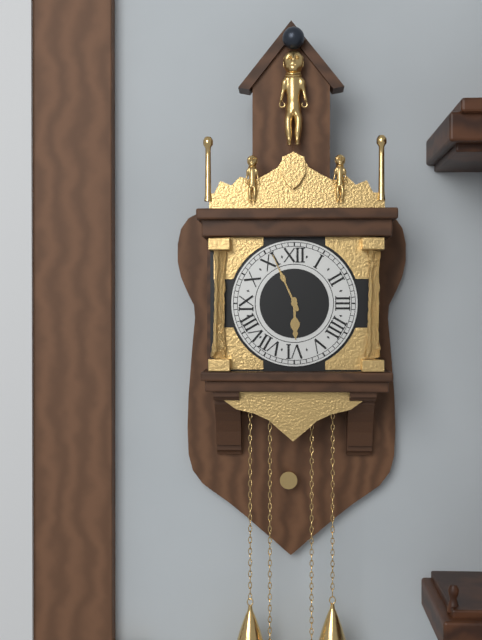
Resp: 5,56
